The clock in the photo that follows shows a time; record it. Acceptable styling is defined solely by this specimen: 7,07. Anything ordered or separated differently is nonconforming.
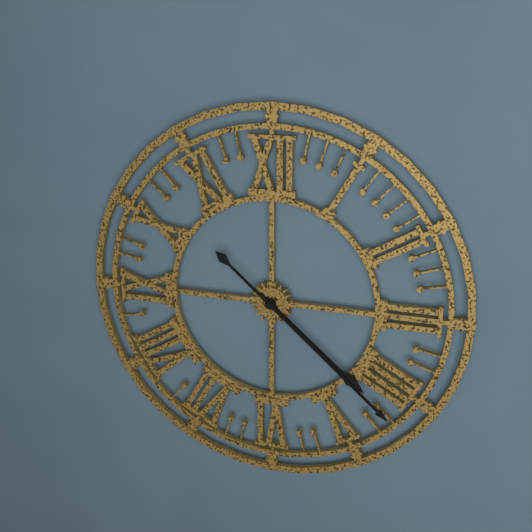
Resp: 4,22
